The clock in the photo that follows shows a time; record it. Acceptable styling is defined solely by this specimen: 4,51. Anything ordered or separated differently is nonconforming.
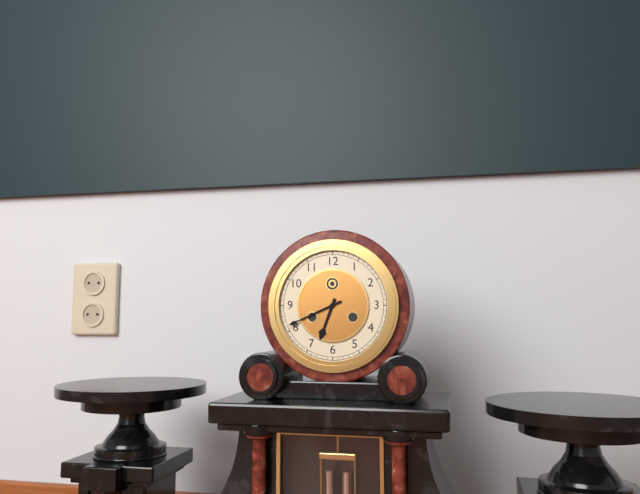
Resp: 6,41
